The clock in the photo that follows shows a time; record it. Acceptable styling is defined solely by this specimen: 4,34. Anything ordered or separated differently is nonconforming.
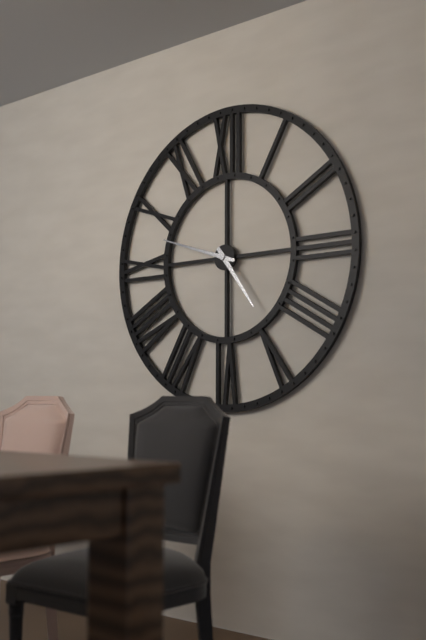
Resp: 4,48
